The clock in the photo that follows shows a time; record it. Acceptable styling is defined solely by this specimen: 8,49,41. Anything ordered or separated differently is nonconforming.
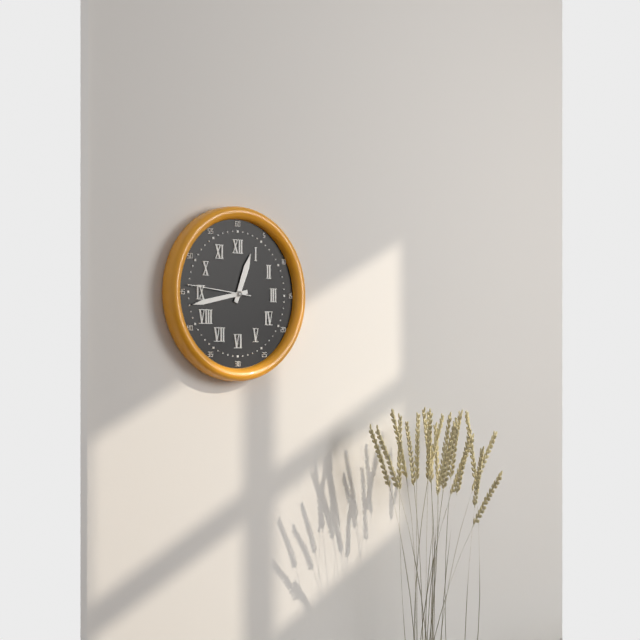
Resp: 12,43,46
